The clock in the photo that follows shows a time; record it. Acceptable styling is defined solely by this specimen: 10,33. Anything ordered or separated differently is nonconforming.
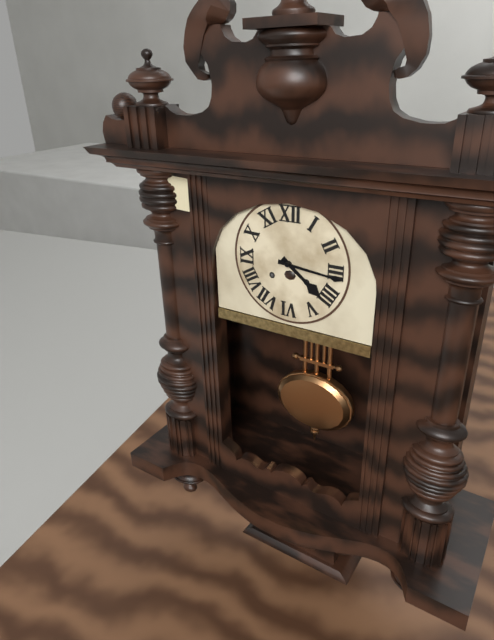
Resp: 4,16
